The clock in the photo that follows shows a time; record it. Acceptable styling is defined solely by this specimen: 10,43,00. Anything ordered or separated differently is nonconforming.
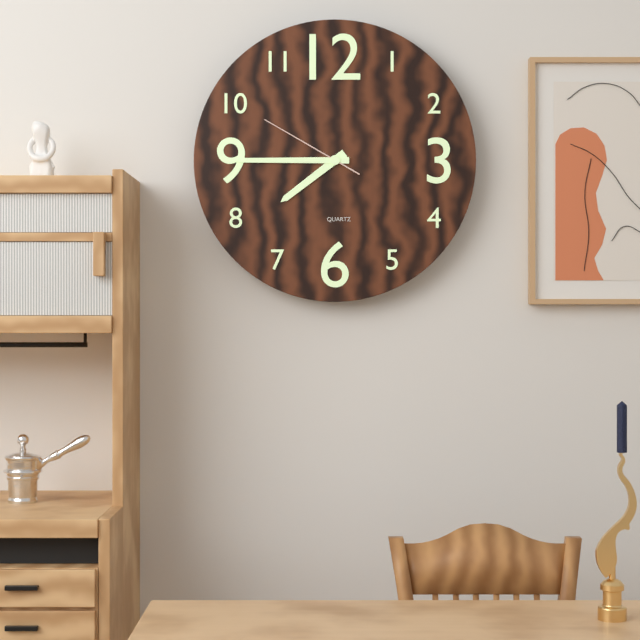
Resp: 7,45,50
